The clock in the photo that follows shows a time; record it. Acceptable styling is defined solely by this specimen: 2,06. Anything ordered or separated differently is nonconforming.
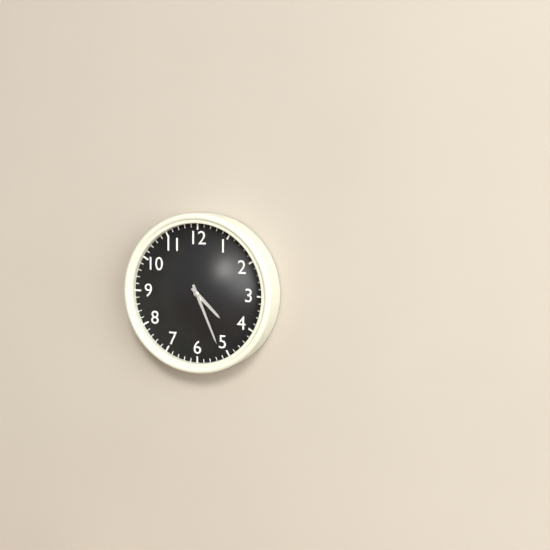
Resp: 4,26
